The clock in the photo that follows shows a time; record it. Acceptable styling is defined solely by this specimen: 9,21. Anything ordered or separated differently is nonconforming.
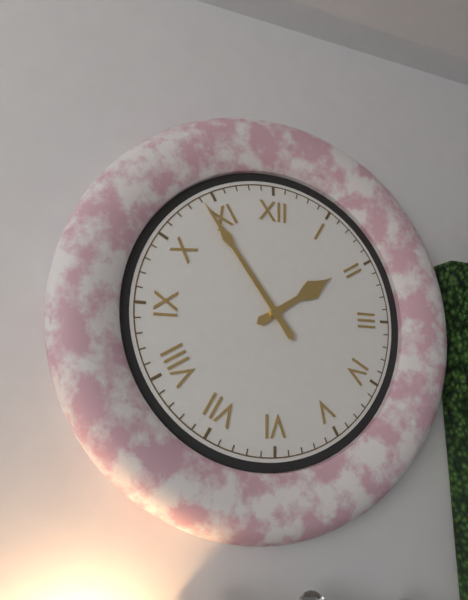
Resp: 1,54
